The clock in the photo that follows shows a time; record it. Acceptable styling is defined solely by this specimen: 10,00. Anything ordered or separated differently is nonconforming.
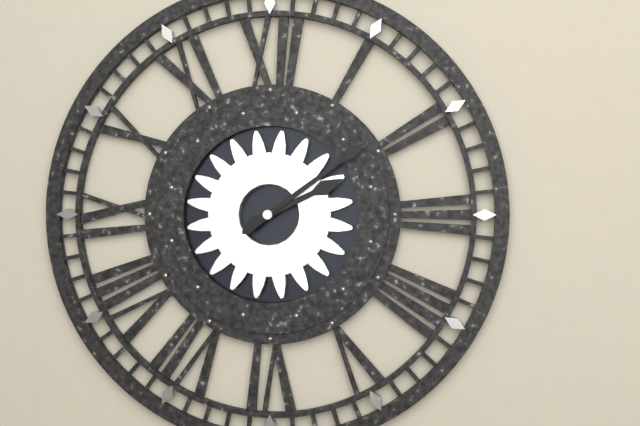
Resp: 2,09
